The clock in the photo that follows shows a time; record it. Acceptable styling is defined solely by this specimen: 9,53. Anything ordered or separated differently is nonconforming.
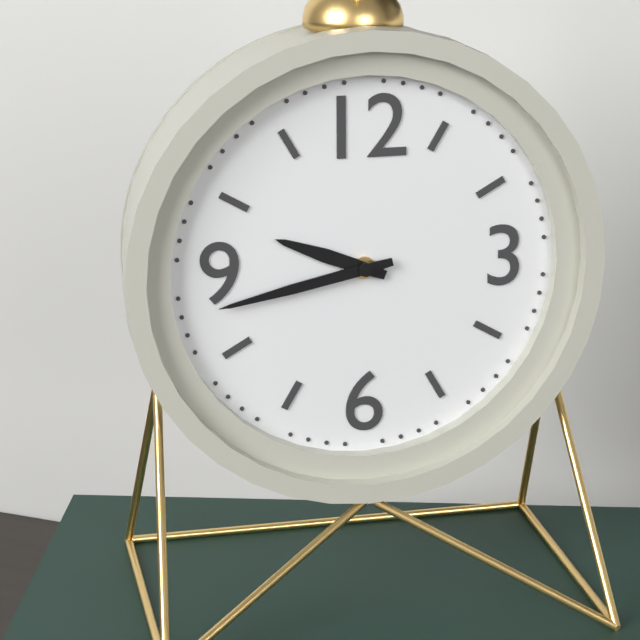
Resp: 9,43
